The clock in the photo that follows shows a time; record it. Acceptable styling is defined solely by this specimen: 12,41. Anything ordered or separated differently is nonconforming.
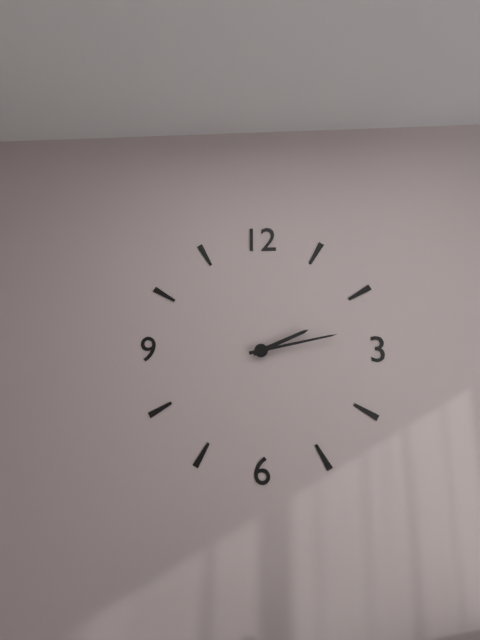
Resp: 2,13
